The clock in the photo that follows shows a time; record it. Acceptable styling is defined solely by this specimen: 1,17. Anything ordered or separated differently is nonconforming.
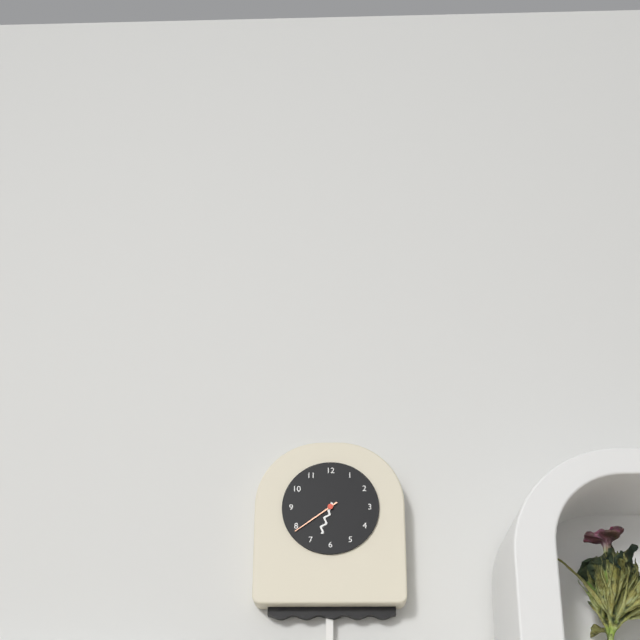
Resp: 6,39
